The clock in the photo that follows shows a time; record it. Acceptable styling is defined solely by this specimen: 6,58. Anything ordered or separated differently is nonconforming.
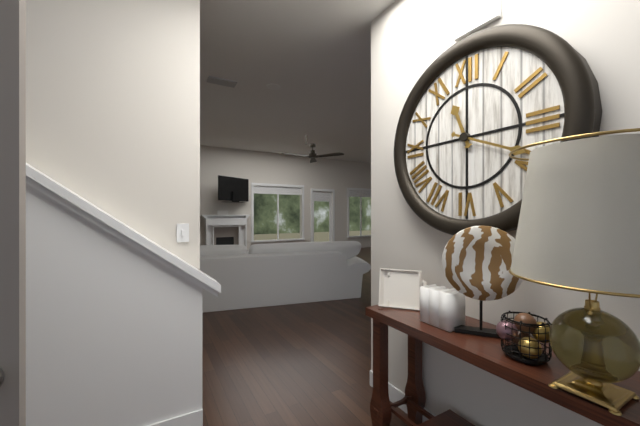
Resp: 11,19
